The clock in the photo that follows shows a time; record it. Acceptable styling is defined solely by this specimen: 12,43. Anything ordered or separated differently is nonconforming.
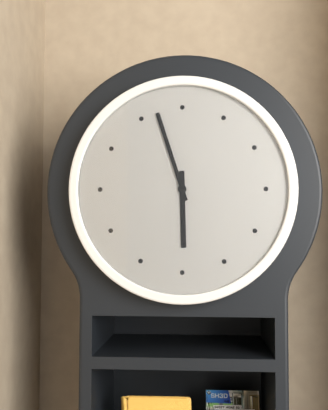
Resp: 5,57
